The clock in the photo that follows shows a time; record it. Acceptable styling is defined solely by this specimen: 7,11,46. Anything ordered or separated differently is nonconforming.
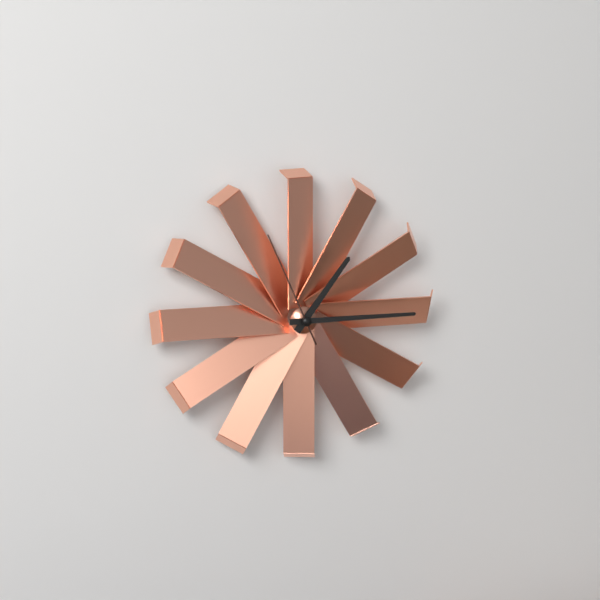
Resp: 1,15,56
